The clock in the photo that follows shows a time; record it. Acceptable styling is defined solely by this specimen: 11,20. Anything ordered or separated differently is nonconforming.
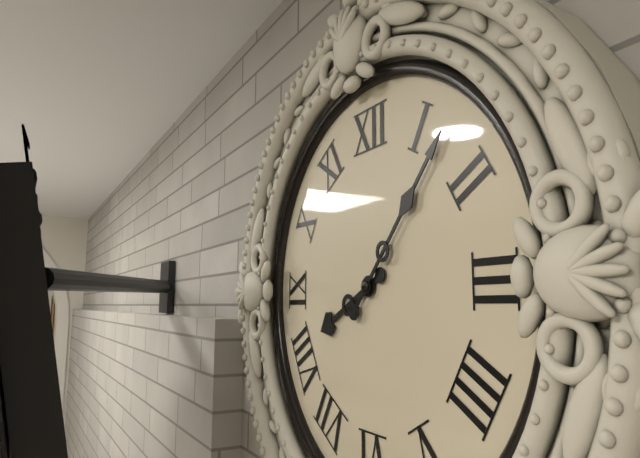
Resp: 8,07
